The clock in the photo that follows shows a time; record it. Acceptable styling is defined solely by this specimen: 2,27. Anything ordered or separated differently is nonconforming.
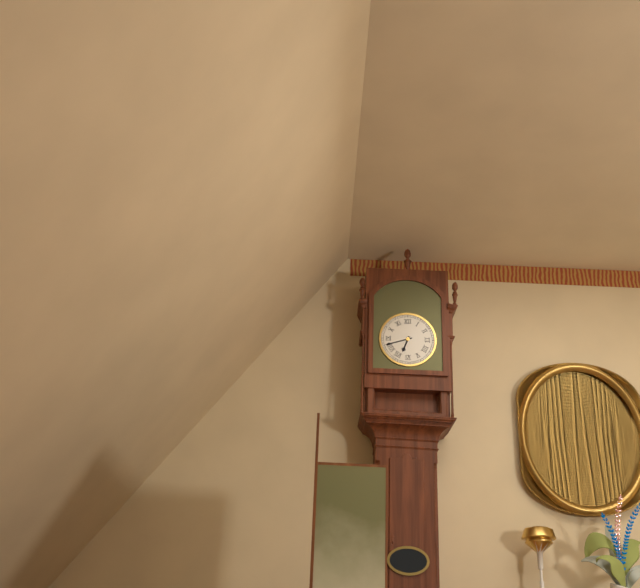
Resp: 6,42
